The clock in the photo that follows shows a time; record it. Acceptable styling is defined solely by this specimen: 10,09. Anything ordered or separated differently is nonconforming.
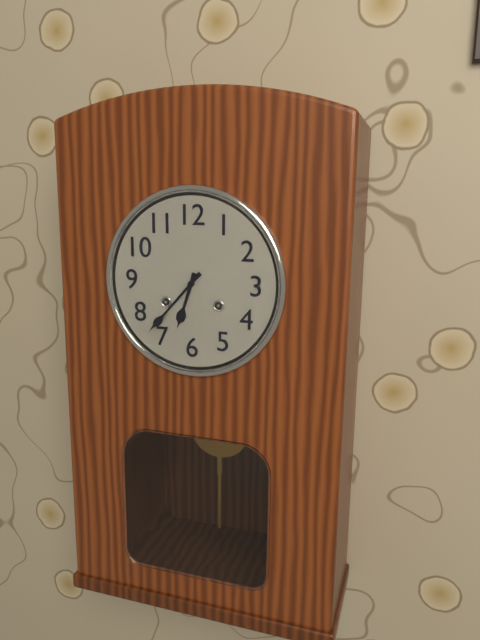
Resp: 6,37
